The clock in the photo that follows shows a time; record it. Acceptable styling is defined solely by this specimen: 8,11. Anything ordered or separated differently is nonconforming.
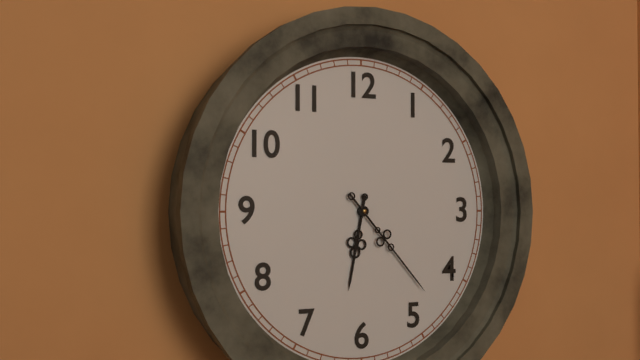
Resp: 6,23
